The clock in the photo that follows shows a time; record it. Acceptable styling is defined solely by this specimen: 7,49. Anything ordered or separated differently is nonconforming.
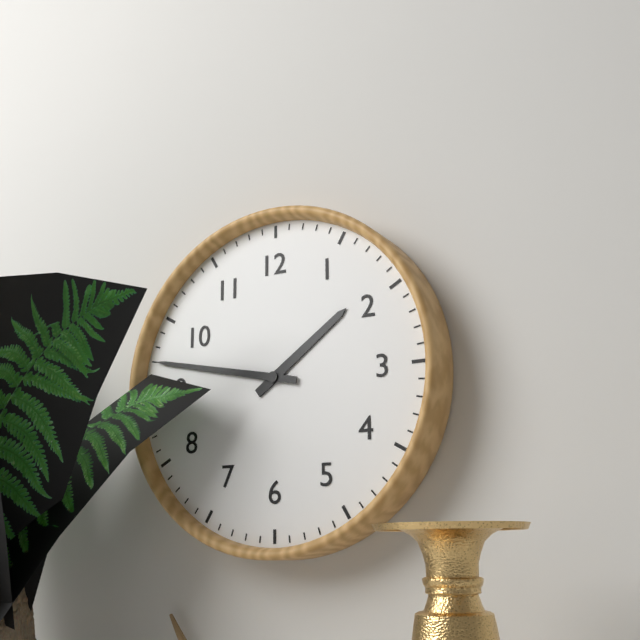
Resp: 1,47
